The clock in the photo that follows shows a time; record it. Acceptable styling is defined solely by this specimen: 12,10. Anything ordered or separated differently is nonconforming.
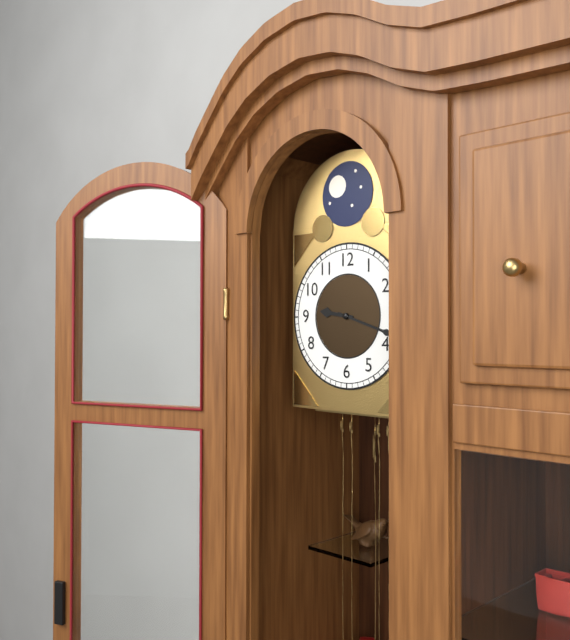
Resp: 9,18
